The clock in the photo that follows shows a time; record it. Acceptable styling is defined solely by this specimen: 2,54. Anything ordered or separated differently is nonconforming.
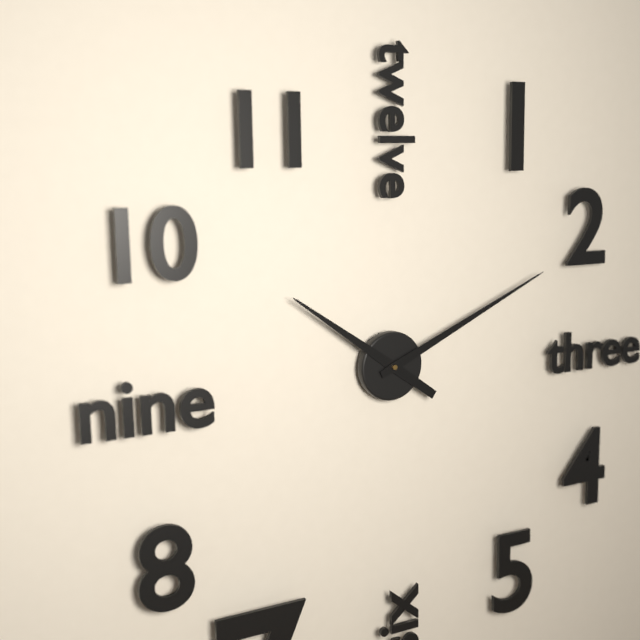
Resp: 10,11
